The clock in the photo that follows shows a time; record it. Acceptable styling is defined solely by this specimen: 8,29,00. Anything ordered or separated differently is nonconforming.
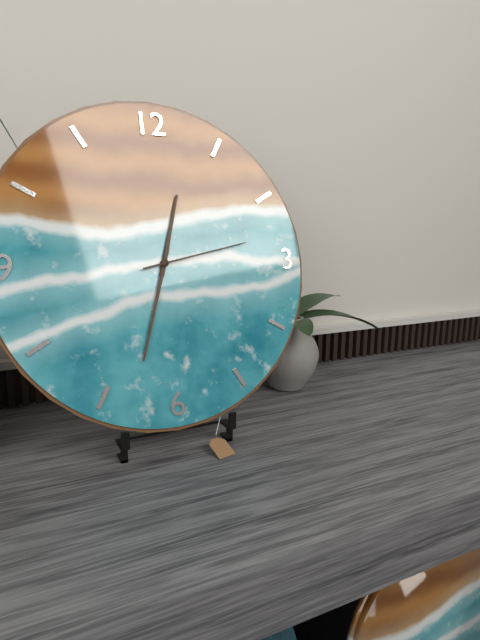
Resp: 12,33,13
